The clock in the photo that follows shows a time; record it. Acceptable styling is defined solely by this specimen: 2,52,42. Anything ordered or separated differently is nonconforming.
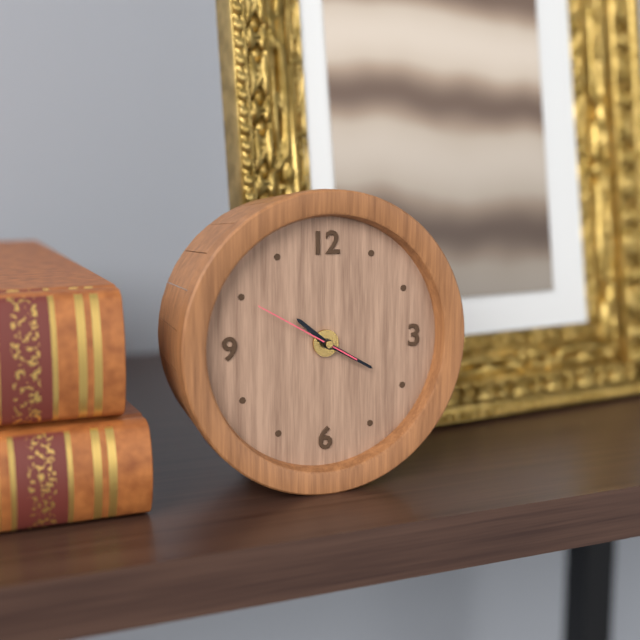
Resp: 10,20,50
